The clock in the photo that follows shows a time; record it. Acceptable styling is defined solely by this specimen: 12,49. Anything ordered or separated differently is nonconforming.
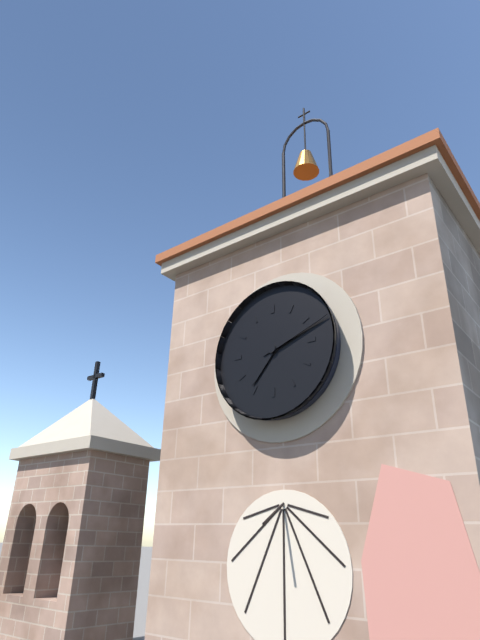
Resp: 7,12
